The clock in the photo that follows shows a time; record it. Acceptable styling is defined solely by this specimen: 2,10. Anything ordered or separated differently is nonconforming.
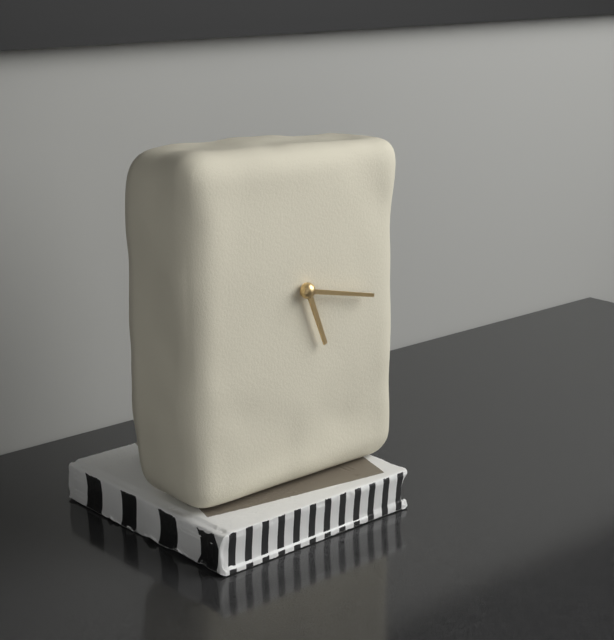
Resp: 5,17
